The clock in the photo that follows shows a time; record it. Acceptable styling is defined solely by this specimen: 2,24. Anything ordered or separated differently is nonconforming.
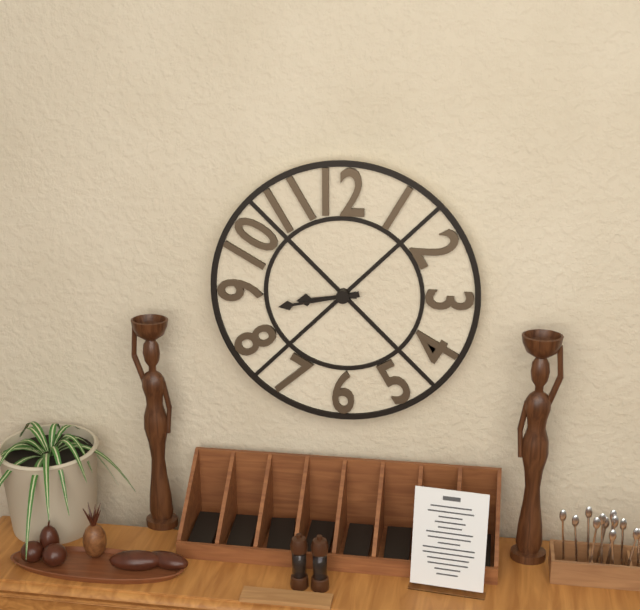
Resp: 8,43
